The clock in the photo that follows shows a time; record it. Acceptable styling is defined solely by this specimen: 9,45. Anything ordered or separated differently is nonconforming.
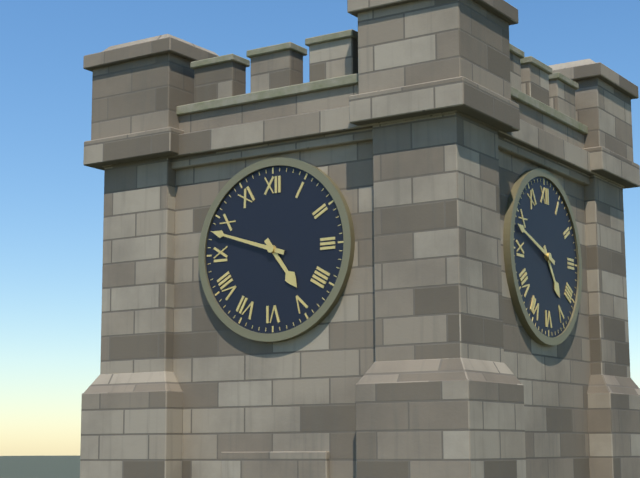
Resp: 4,48
